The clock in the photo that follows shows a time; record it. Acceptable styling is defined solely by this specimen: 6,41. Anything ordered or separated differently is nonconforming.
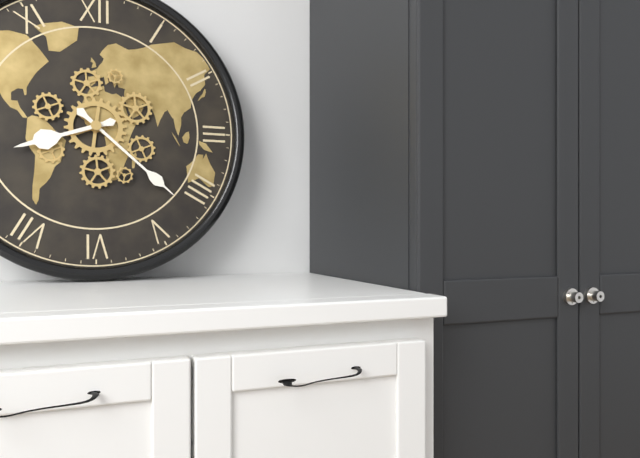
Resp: 8,22
